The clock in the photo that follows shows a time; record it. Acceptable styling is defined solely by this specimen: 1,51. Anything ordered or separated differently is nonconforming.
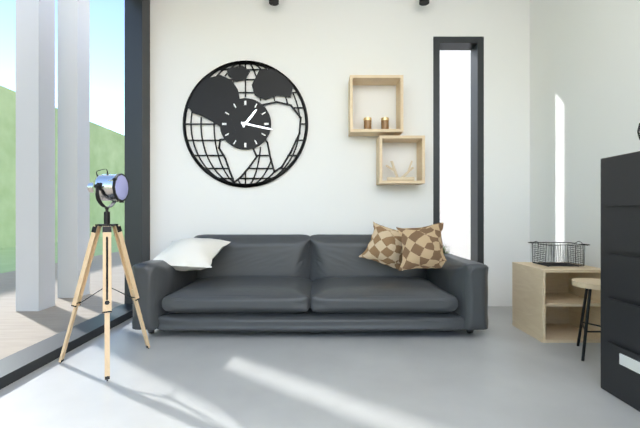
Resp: 1,17
